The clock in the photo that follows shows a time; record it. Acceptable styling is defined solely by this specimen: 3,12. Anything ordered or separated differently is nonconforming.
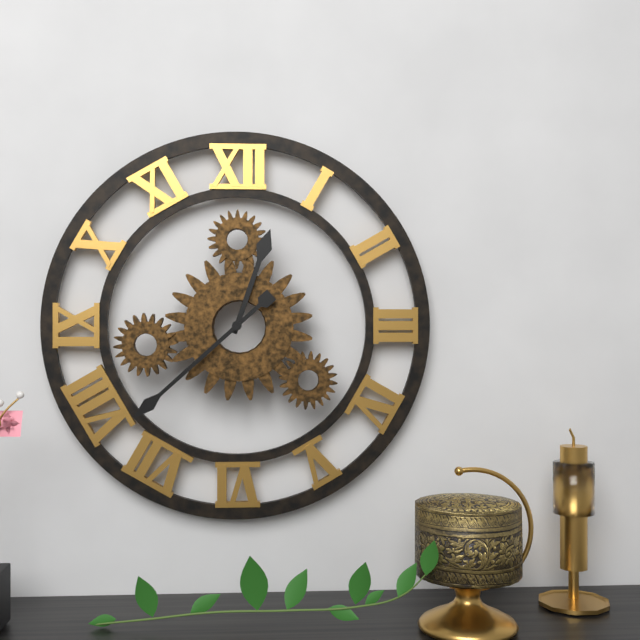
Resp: 12,38
